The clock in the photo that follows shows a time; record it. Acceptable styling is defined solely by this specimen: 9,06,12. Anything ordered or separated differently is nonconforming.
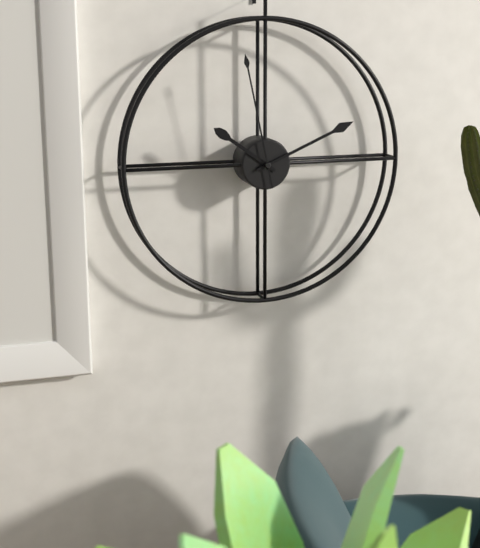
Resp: 10,11,58
